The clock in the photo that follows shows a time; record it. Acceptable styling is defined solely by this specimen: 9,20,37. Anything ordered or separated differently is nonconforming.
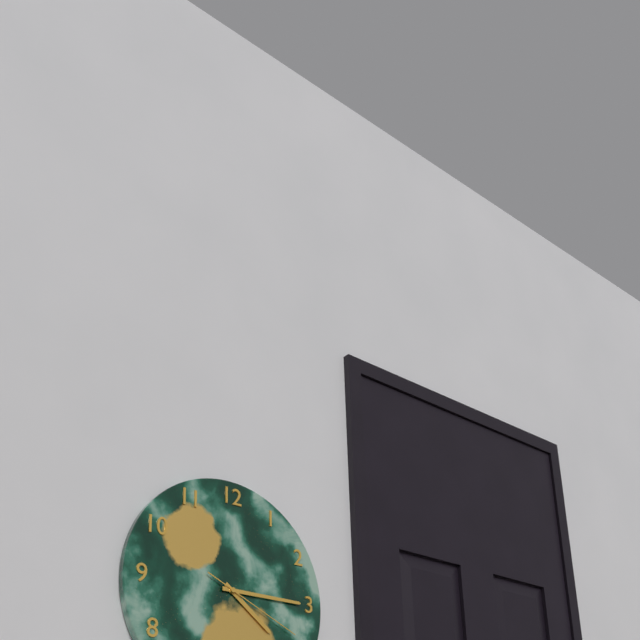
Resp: 4,15,19
